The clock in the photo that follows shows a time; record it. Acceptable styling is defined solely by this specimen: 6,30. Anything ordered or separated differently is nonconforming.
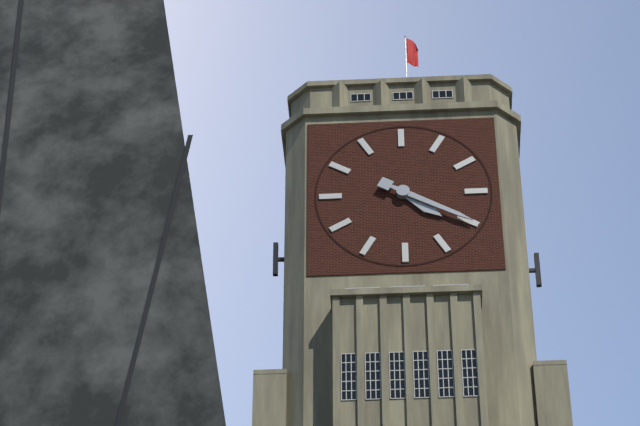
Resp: 4,20
